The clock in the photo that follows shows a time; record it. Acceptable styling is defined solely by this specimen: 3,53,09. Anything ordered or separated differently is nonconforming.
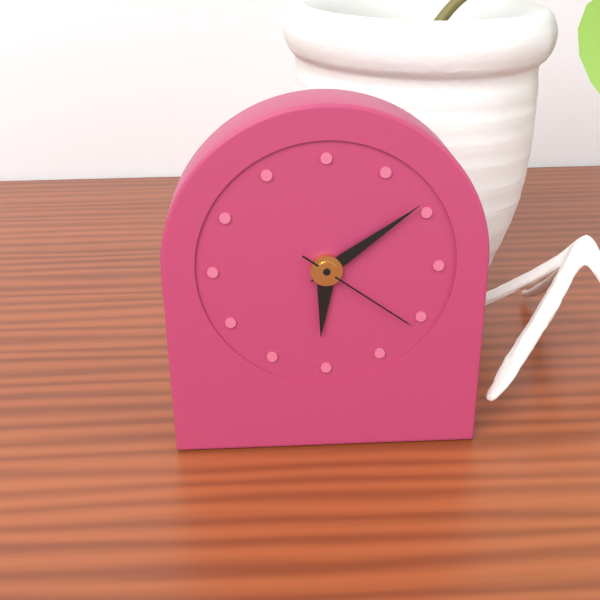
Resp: 6,09,21
